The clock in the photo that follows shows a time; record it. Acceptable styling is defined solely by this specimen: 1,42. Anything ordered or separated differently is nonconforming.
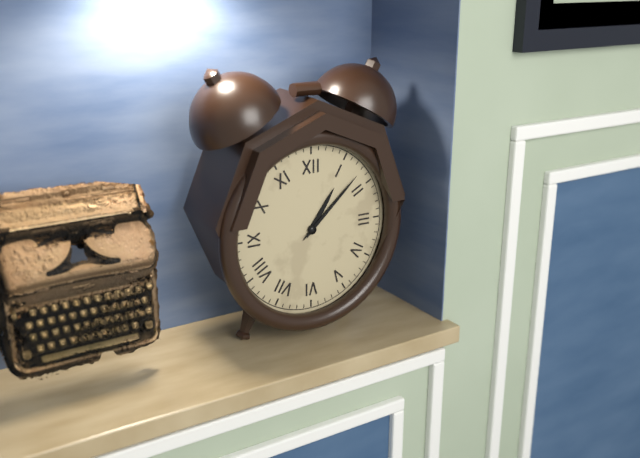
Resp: 1,08
